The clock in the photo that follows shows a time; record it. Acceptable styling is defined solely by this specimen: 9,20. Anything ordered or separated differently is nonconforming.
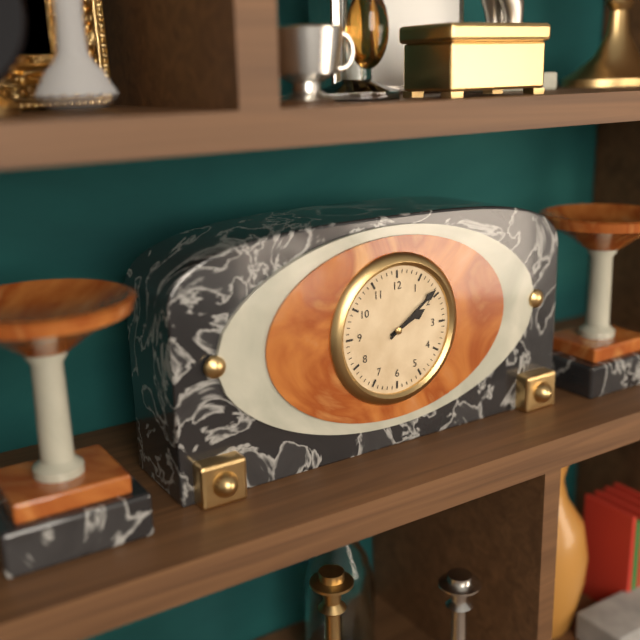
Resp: 2,09
